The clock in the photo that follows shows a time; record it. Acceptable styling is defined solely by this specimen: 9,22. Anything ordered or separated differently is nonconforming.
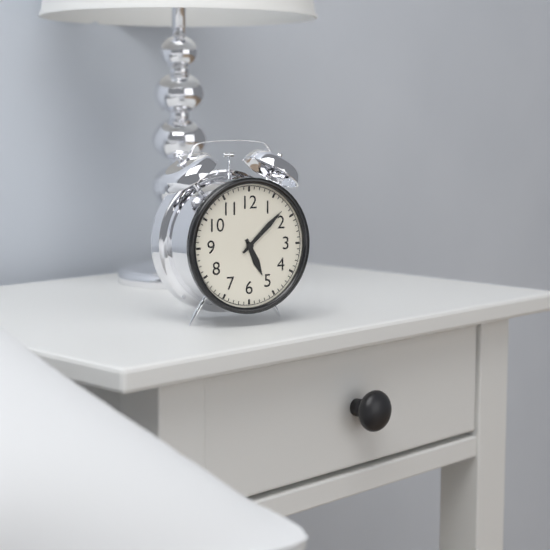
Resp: 5,08
